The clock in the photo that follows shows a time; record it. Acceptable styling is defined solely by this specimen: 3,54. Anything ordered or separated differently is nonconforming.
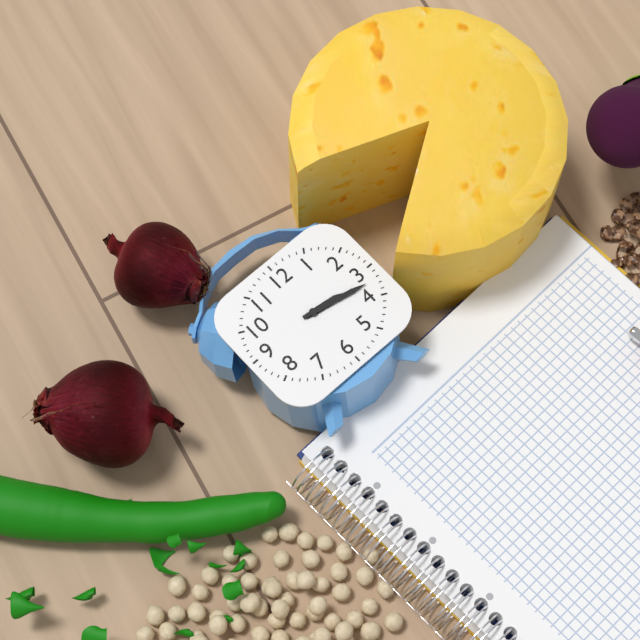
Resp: 3,17
